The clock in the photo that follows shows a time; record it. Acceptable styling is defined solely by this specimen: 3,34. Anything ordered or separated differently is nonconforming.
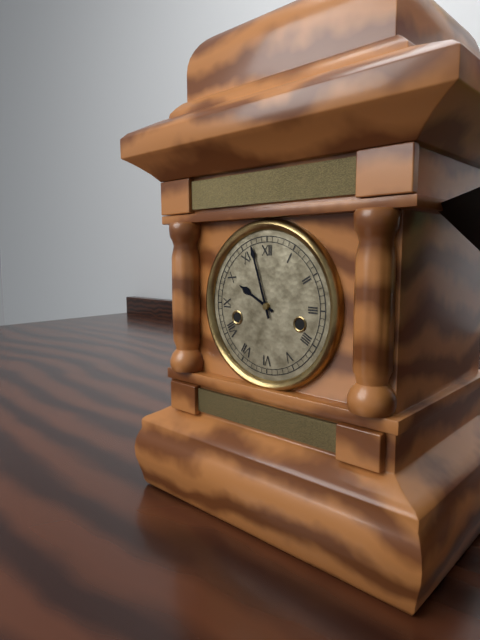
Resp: 9,57
